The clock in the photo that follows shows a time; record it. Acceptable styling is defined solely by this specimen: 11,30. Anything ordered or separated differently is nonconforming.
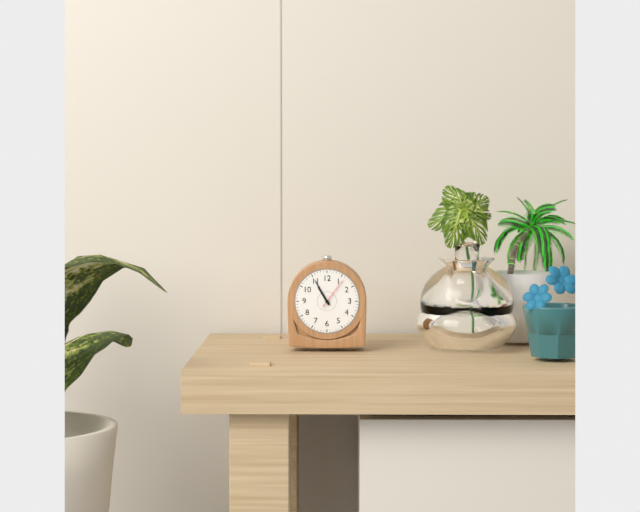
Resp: 10,55
